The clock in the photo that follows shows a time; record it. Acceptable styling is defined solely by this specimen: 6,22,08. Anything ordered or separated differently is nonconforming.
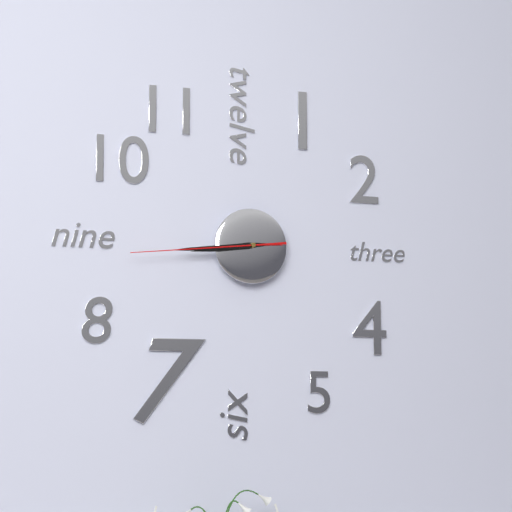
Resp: 8,44,44
